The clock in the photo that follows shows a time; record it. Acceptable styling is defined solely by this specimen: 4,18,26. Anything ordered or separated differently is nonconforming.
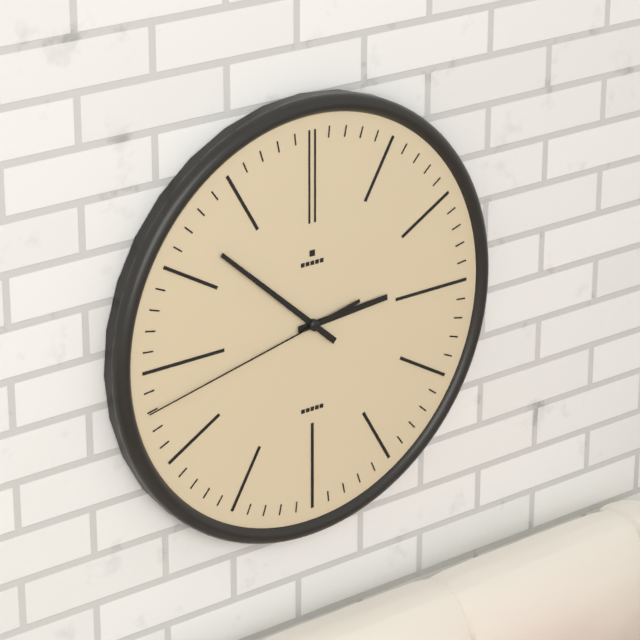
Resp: 2,52,43
